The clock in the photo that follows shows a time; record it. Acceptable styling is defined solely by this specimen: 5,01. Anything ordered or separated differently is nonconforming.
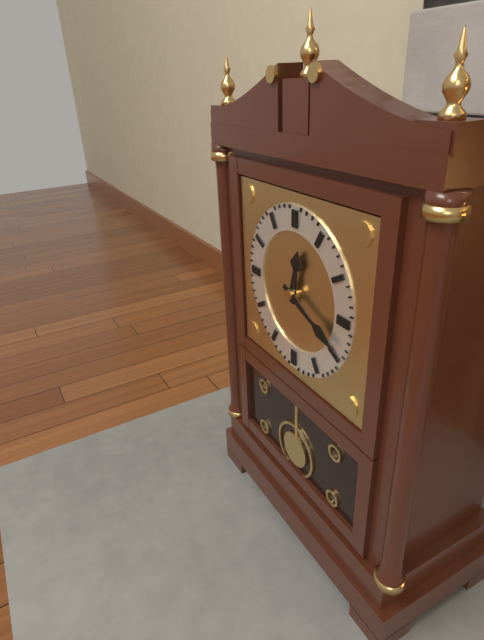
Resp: 12,19
